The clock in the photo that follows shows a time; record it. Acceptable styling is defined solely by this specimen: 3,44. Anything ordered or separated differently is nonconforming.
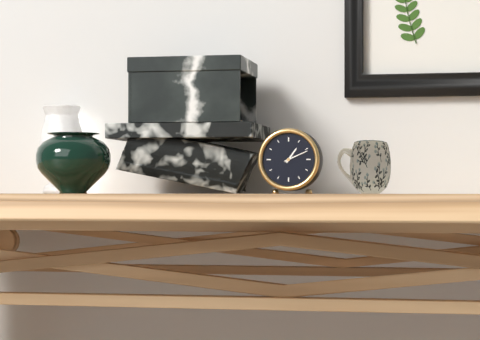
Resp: 1,11
